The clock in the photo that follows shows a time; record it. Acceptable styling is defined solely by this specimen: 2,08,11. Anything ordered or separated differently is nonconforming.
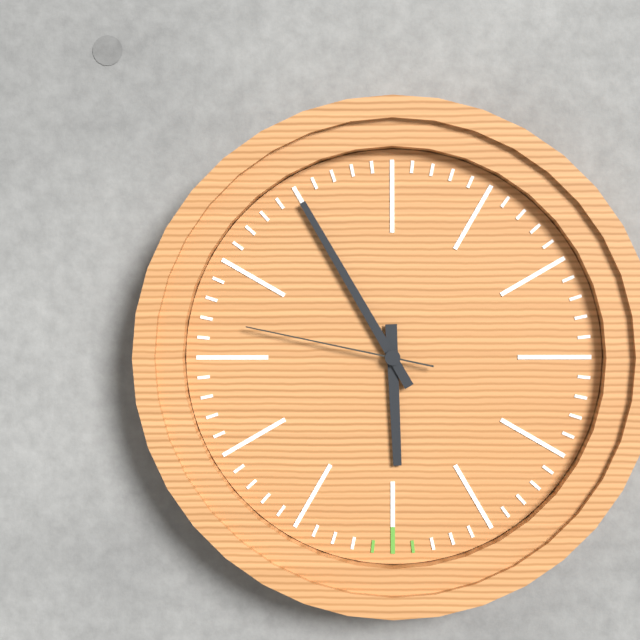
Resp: 5,55,47
